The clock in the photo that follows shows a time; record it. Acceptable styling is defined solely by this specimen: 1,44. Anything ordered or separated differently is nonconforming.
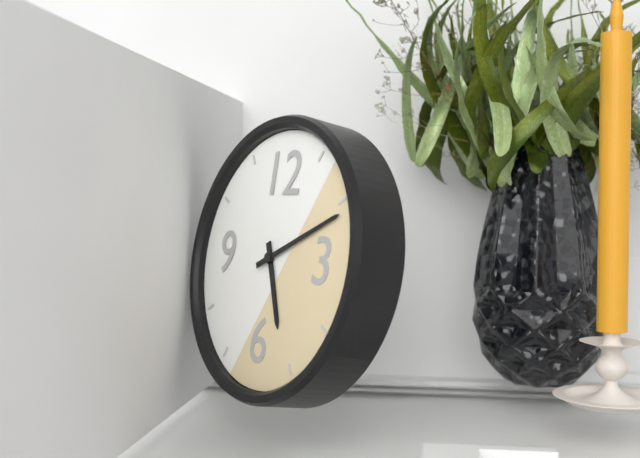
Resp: 5,11
